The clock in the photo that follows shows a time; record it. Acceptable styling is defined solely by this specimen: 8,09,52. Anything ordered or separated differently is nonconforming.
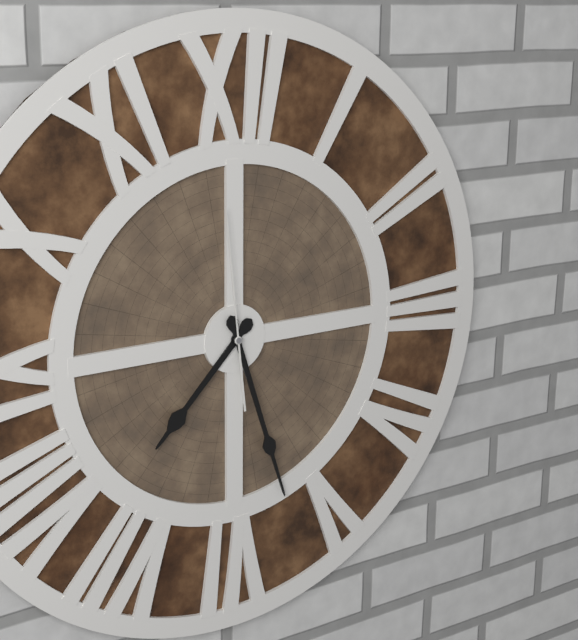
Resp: 7,27,59
